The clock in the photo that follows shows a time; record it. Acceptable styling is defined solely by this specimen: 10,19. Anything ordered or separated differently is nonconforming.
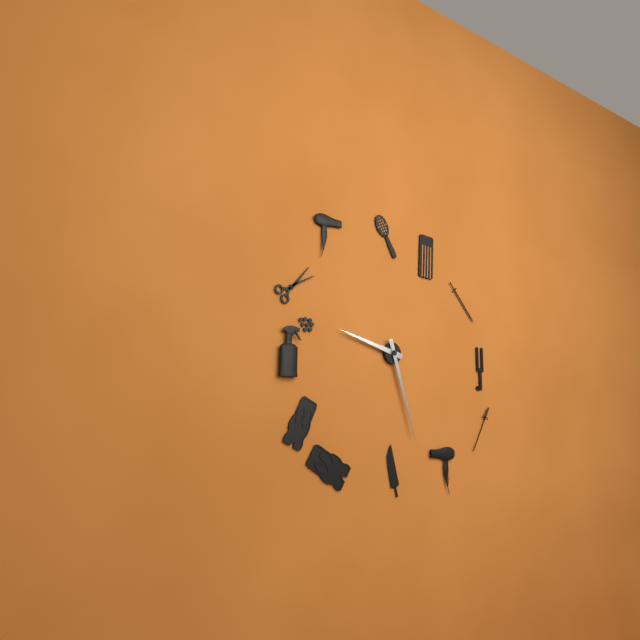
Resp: 9,27
